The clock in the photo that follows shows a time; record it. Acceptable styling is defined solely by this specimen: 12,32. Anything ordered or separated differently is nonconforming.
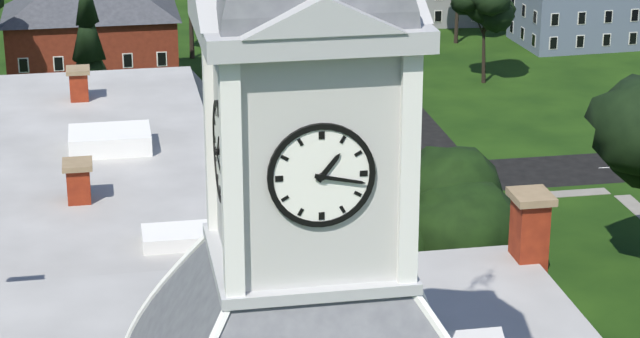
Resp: 1,17
